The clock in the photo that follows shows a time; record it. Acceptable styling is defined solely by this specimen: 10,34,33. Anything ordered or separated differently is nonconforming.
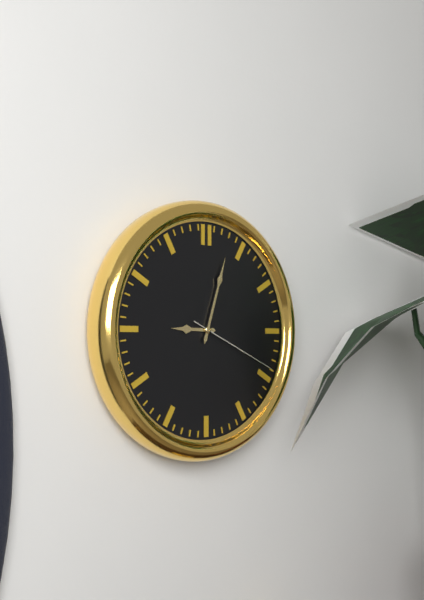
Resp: 9,03,19
